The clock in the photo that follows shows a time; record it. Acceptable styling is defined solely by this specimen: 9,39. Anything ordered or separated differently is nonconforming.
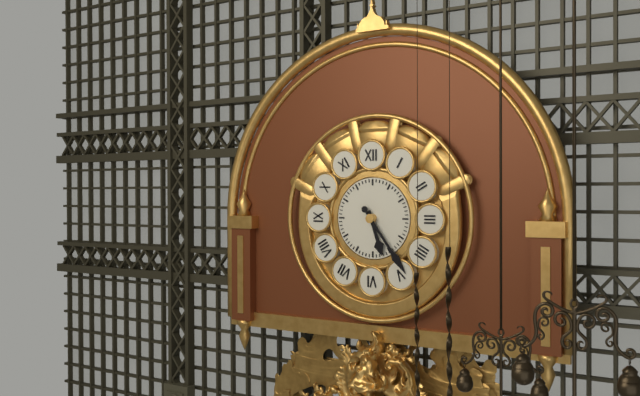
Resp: 5,24
